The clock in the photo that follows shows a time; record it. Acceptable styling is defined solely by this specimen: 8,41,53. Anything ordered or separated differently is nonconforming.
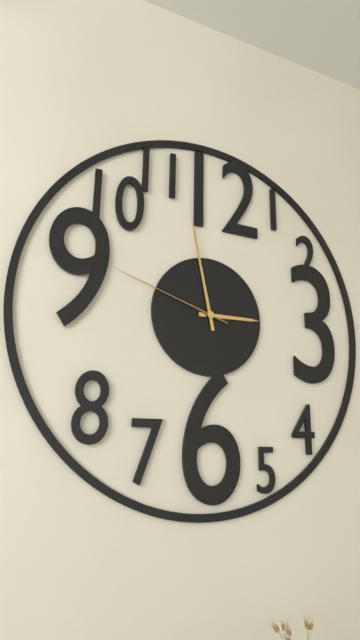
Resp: 2,58,48
